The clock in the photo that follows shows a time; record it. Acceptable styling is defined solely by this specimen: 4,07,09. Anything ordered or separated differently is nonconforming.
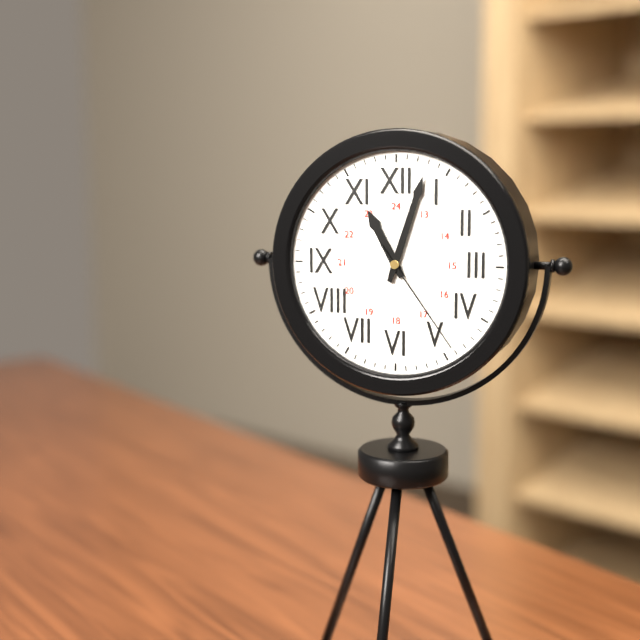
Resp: 11,03,24
